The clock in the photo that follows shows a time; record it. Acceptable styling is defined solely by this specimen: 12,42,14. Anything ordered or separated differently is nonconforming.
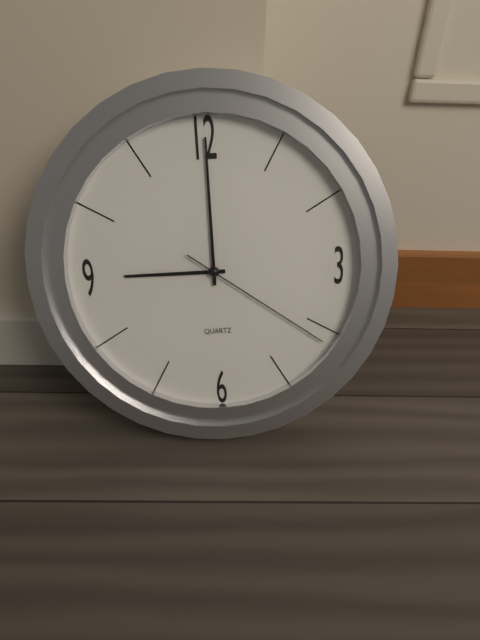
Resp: 9,00,21
